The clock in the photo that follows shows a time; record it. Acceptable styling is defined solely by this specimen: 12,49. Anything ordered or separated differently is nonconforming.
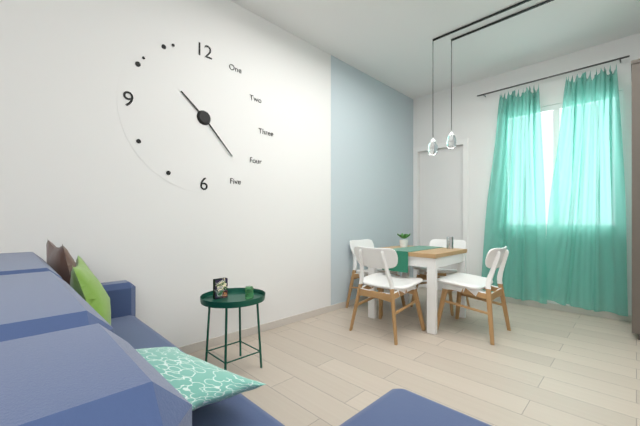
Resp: 10,23
